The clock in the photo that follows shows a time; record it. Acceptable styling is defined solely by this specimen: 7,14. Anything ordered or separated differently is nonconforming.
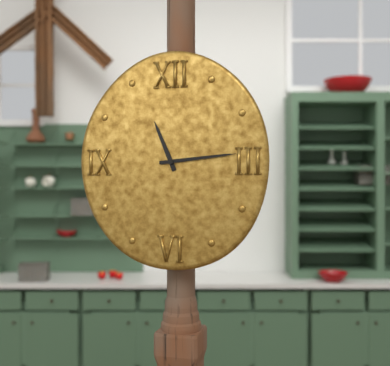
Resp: 11,14
